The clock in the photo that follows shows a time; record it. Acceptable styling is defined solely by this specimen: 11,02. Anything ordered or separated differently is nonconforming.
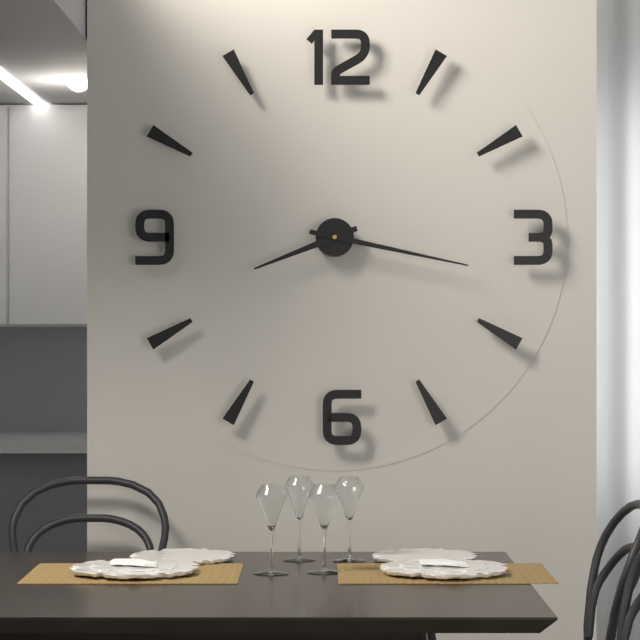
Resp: 8,17
